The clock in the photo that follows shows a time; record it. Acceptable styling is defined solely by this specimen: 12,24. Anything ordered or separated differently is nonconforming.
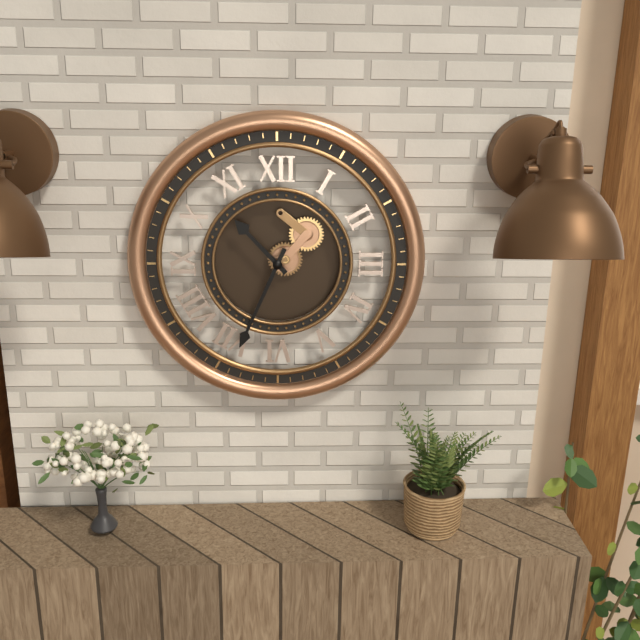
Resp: 10,34
